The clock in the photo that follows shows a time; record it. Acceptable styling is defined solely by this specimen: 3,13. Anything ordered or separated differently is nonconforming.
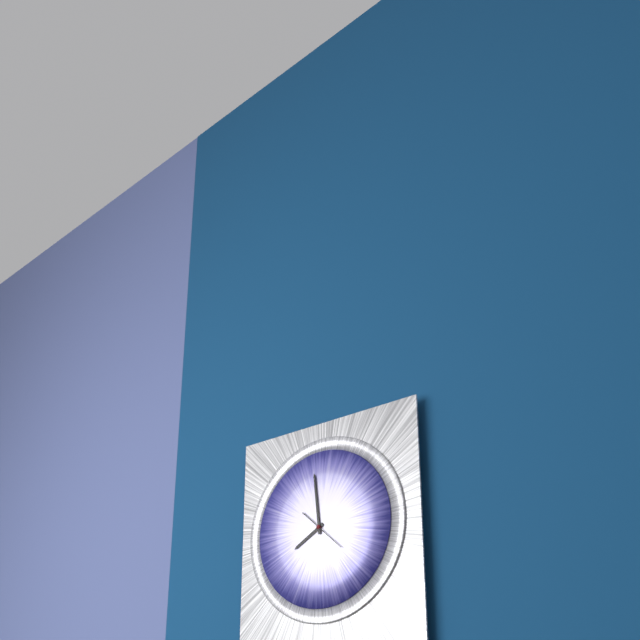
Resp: 7,59
